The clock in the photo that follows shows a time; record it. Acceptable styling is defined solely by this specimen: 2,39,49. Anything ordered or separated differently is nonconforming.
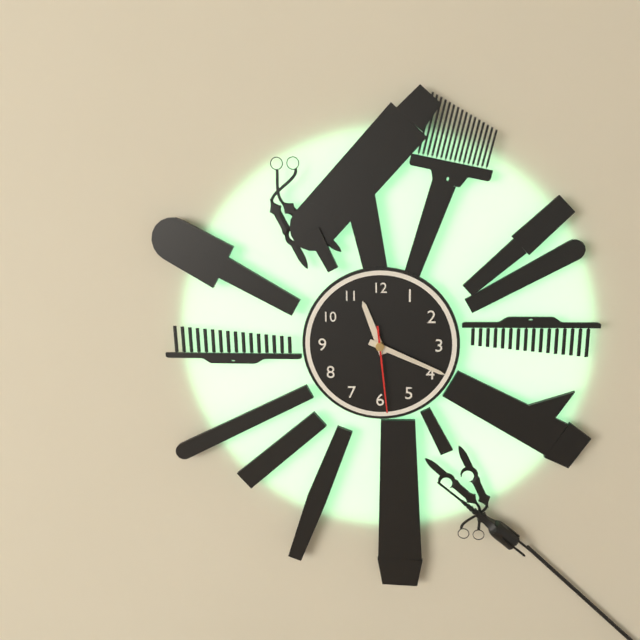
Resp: 11,19,29
